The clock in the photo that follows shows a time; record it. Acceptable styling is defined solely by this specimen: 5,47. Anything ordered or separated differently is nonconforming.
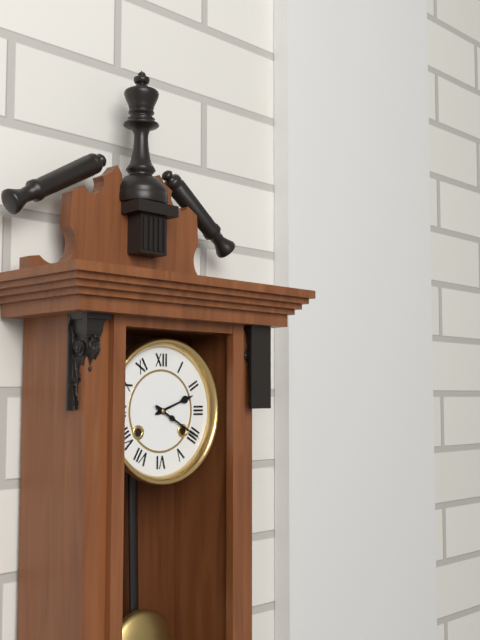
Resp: 2,20
